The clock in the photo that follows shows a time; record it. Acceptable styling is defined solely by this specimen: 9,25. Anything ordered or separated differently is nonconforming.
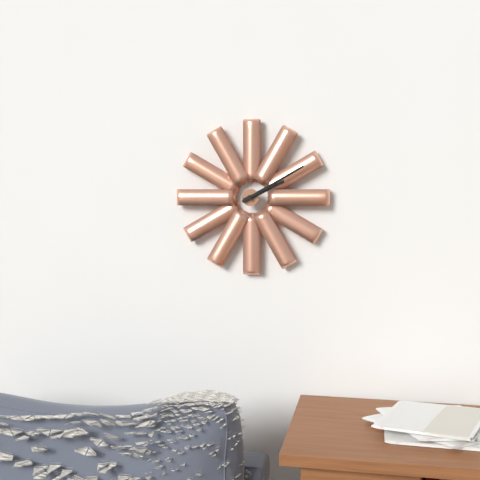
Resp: 2,10
